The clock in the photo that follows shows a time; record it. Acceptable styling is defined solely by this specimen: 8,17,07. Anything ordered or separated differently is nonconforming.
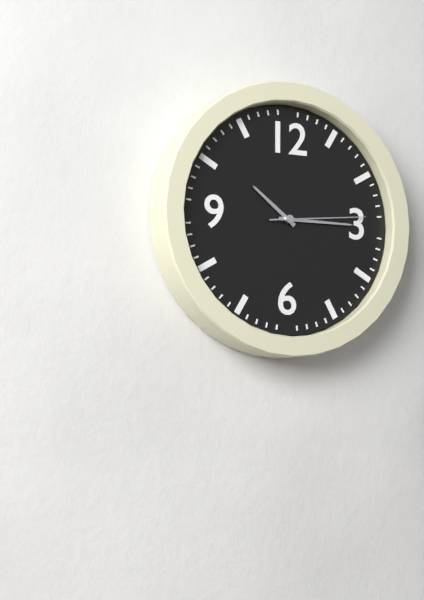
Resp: 10,15,14
